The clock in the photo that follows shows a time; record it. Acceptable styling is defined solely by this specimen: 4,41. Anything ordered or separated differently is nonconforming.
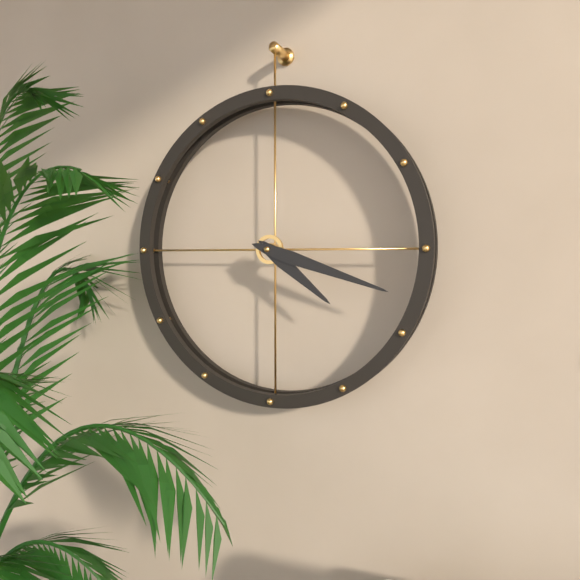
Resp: 4,18
